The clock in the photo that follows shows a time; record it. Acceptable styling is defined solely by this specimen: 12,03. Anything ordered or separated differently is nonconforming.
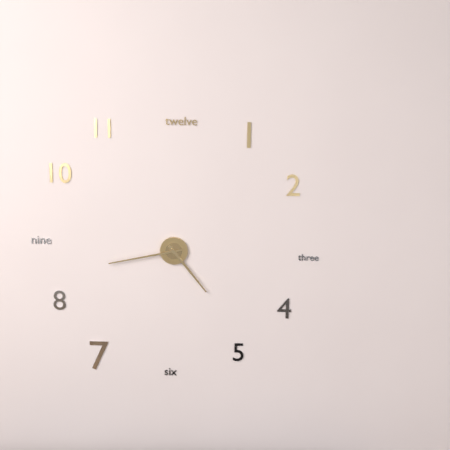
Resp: 4,43
